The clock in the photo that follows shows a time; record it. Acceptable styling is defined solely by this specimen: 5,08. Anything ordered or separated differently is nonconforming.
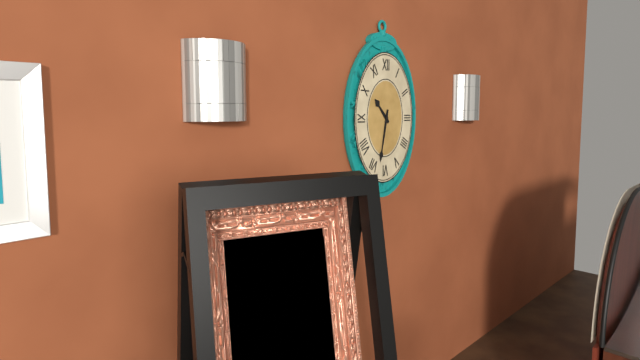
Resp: 10,32
